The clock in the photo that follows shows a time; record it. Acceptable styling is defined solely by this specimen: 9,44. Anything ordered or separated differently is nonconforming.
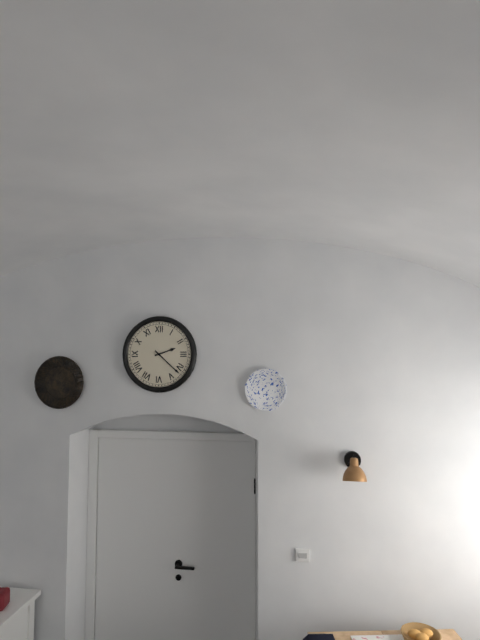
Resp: 2,22
